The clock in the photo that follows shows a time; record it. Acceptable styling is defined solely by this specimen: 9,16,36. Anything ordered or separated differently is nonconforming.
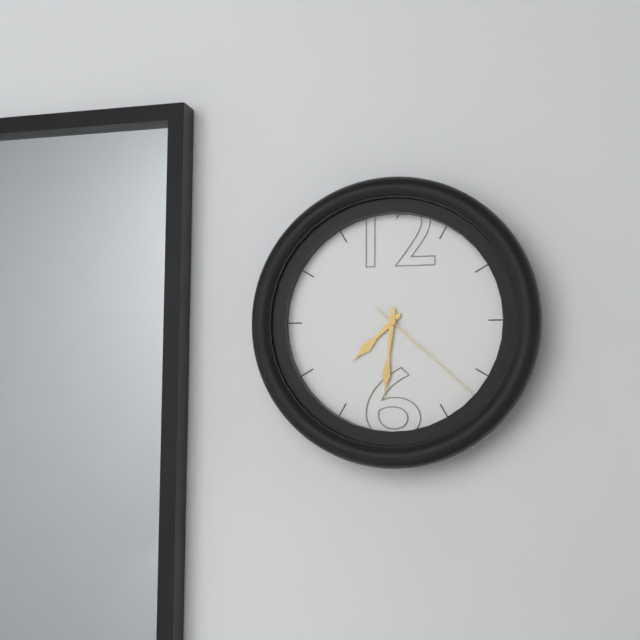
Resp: 7,31,22
